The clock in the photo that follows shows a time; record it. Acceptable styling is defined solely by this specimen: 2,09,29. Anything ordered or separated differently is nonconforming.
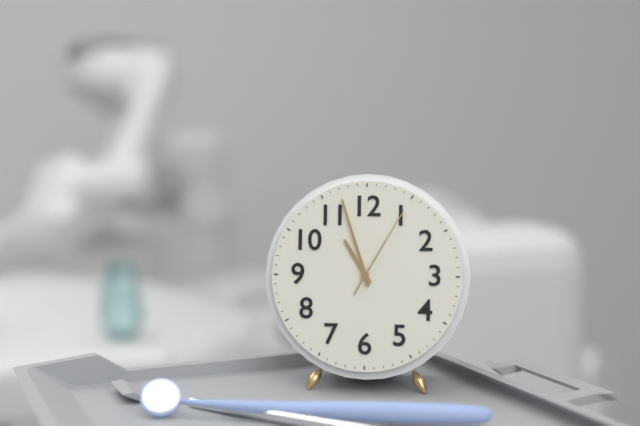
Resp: 10,57,05
